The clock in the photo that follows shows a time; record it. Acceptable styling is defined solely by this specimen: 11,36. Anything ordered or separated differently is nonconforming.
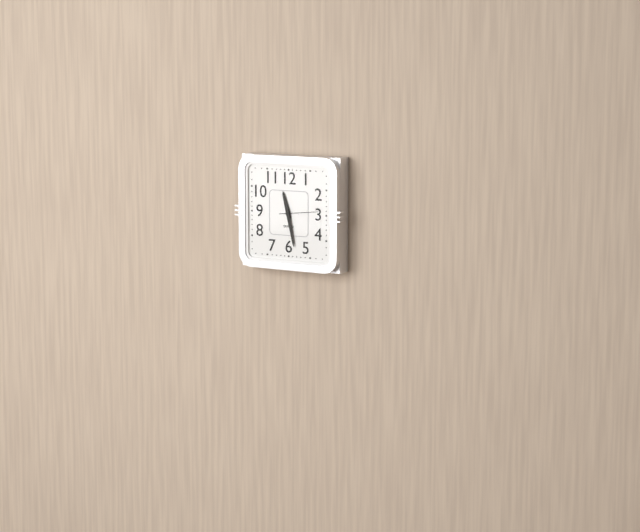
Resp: 11,28
